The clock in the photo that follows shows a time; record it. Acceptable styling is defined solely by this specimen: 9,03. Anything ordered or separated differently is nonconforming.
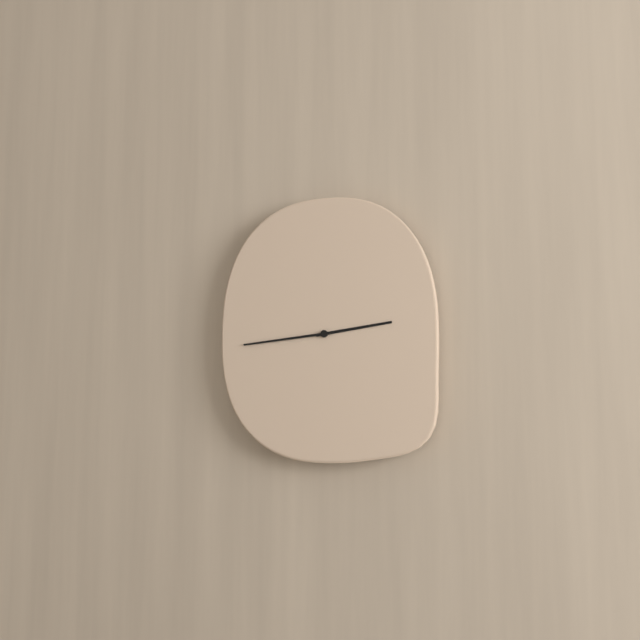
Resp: 2,44
